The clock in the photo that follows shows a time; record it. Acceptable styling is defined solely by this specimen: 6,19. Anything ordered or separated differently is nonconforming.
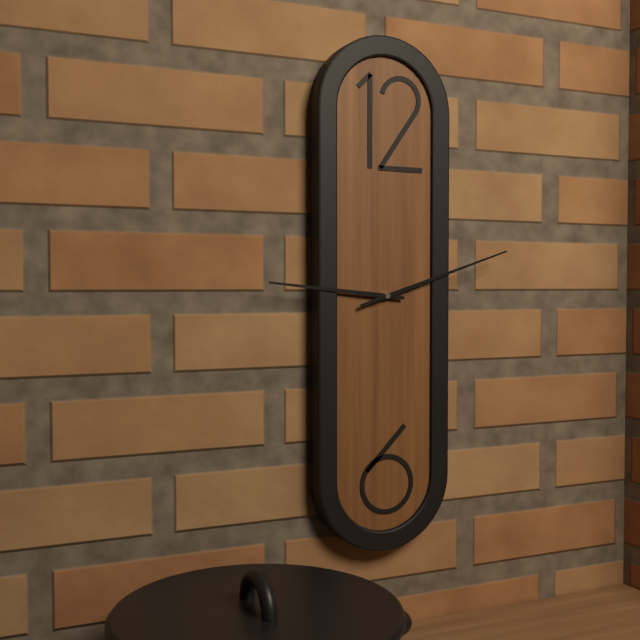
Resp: 9,12
